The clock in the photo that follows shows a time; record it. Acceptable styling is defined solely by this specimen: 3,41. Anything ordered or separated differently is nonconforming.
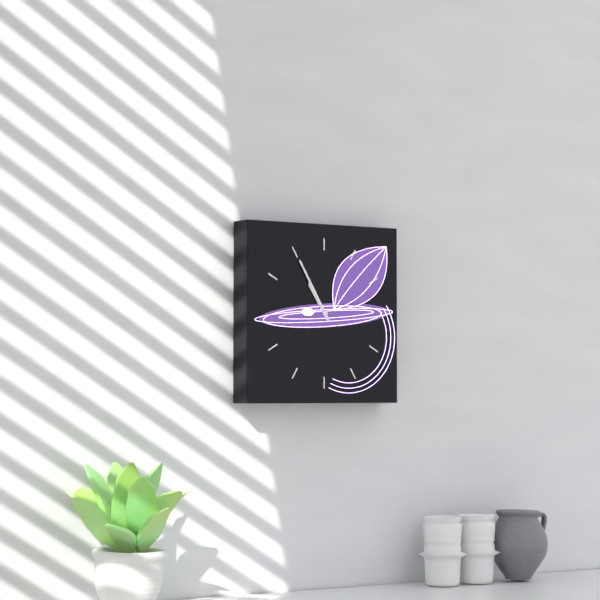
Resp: 10,55
